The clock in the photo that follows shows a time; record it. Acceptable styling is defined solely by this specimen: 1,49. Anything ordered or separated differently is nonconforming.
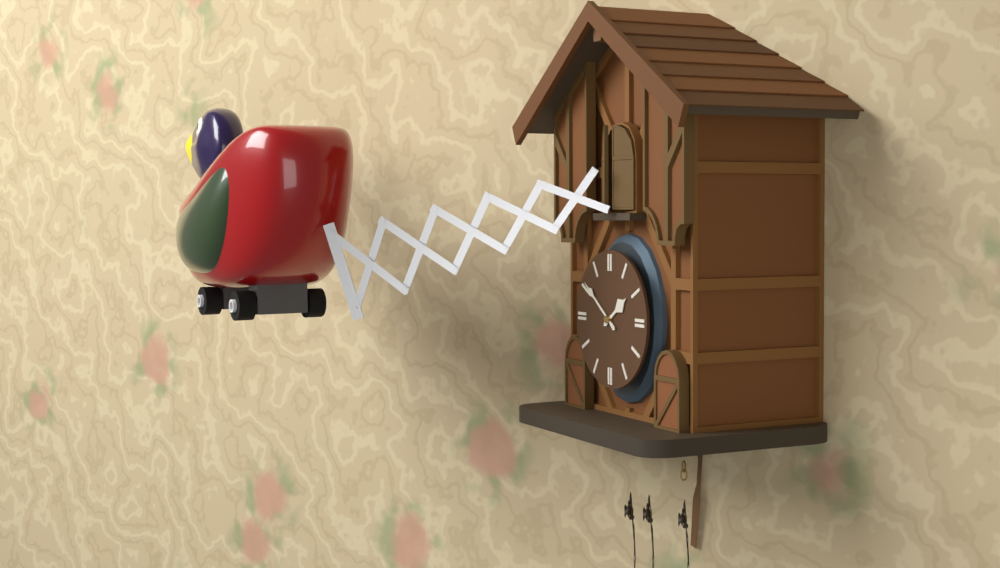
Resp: 1,51
